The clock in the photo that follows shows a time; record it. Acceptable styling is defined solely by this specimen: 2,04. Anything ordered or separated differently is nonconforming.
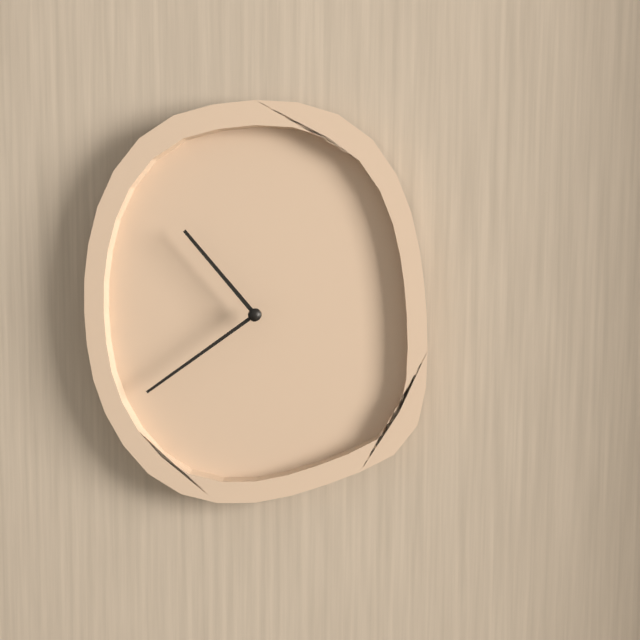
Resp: 10,39
